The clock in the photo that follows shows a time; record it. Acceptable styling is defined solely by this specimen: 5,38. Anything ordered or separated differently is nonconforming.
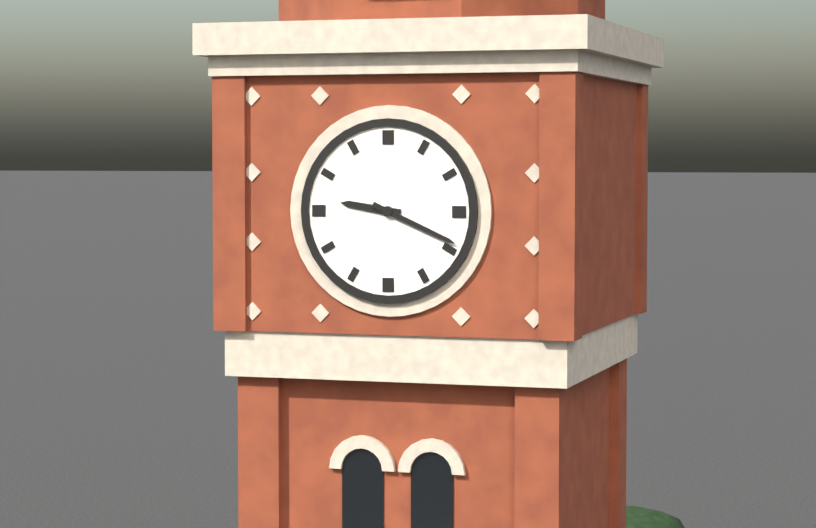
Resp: 9,19
